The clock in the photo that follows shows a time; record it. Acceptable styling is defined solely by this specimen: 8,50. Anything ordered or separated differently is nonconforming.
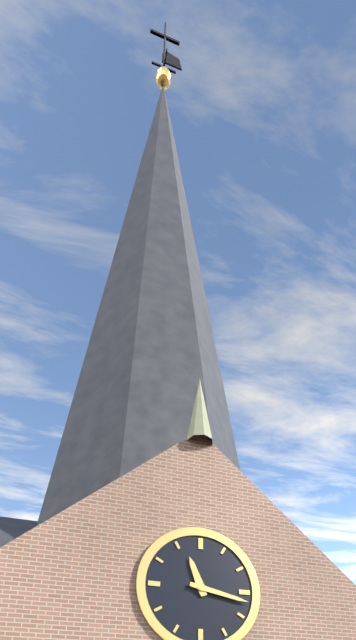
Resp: 11,17
